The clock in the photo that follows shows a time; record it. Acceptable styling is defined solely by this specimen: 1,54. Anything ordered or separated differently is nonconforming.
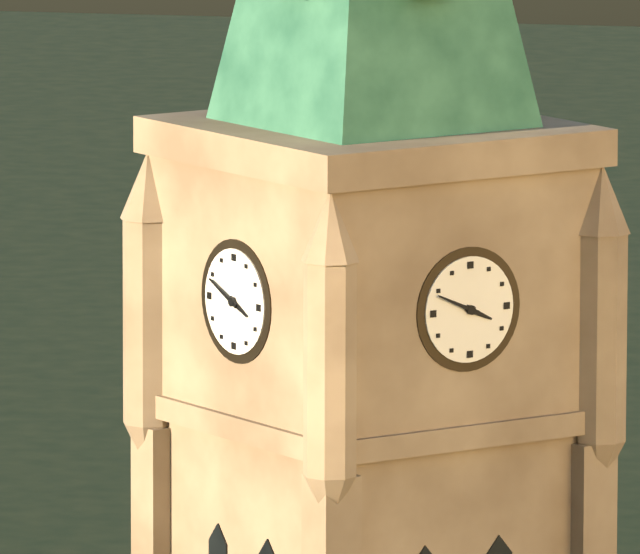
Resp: 3,49
